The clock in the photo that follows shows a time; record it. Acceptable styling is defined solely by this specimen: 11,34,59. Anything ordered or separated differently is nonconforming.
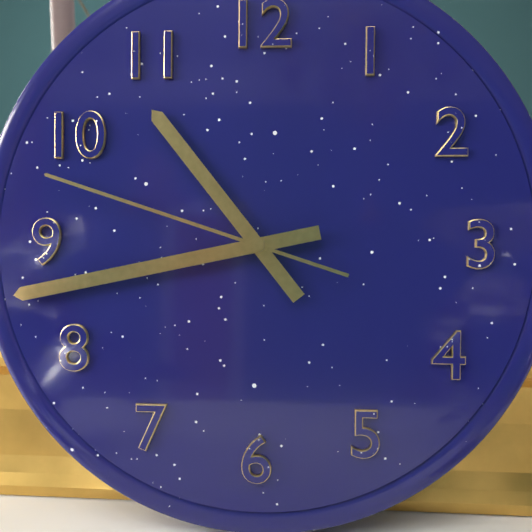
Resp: 10,43,48
